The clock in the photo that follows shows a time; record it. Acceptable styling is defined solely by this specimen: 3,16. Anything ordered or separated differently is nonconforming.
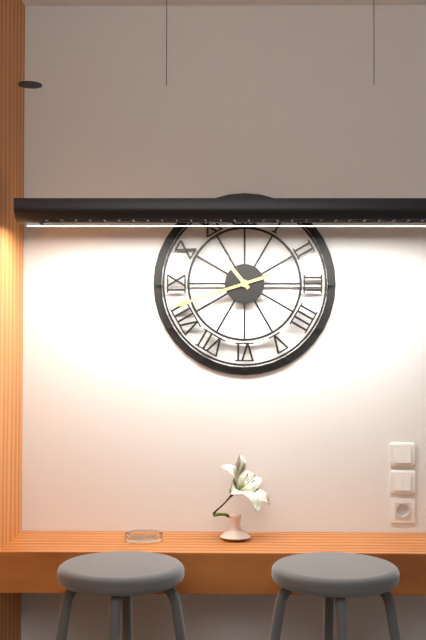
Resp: 10,42
